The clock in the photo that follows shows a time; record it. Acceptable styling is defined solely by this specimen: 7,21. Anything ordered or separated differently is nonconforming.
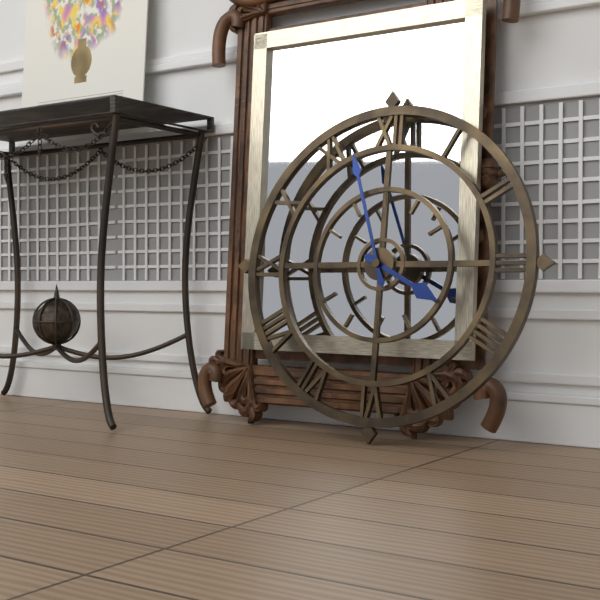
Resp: 3,57
